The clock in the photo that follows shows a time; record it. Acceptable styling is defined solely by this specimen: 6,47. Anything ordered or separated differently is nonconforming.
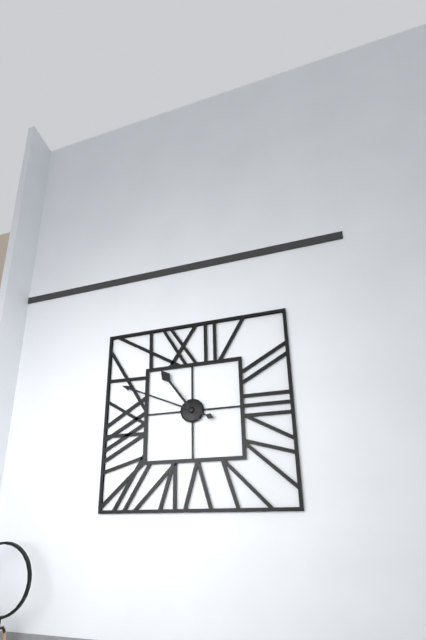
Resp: 10,49
